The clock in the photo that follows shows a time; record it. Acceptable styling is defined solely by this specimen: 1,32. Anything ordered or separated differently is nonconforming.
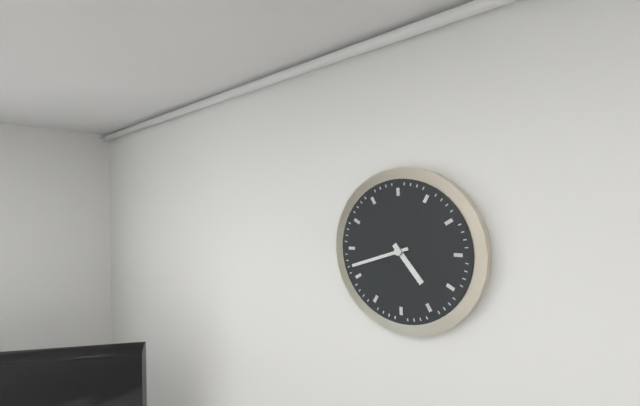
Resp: 4,42
